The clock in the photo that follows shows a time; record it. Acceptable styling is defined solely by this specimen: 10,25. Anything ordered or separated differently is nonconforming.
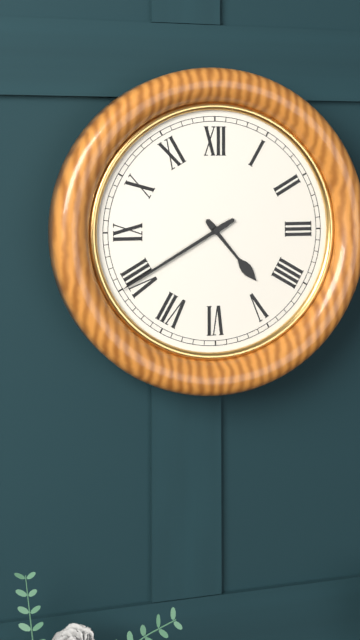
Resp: 4,40
